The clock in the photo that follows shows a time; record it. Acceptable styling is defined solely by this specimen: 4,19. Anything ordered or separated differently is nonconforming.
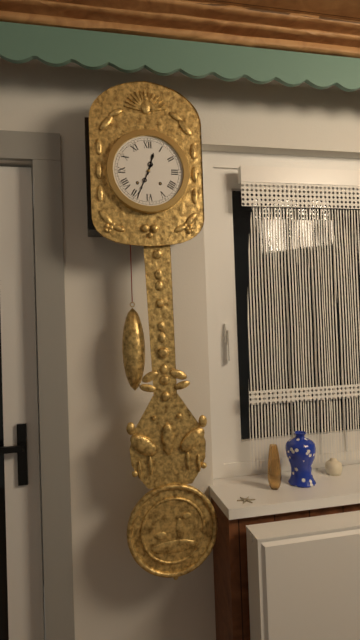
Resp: 12,34
